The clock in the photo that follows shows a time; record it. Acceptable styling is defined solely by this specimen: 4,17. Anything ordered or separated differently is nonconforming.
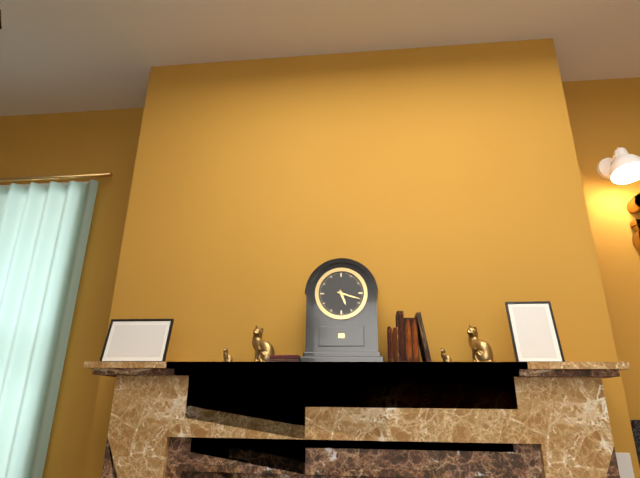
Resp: 5,18
